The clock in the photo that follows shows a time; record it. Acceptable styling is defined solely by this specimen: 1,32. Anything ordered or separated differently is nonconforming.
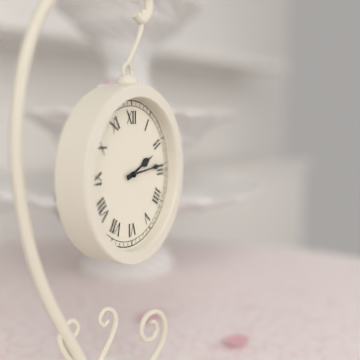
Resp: 2,14
